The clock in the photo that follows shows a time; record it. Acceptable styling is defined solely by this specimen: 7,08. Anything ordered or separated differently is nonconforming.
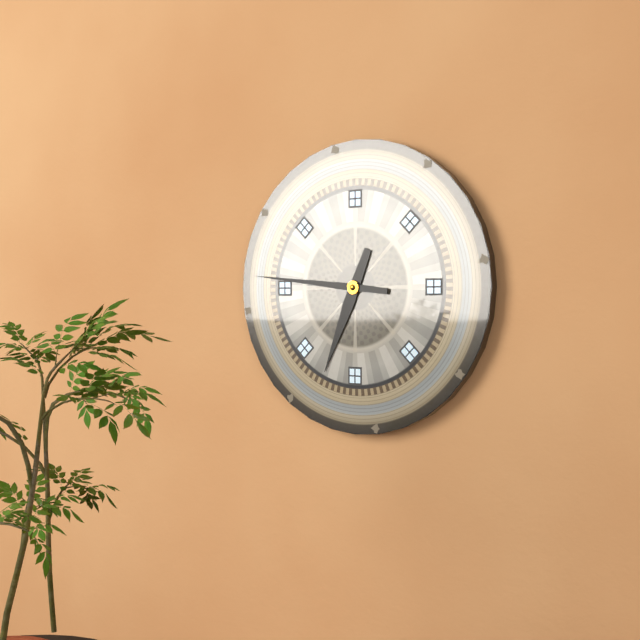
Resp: 6,46
